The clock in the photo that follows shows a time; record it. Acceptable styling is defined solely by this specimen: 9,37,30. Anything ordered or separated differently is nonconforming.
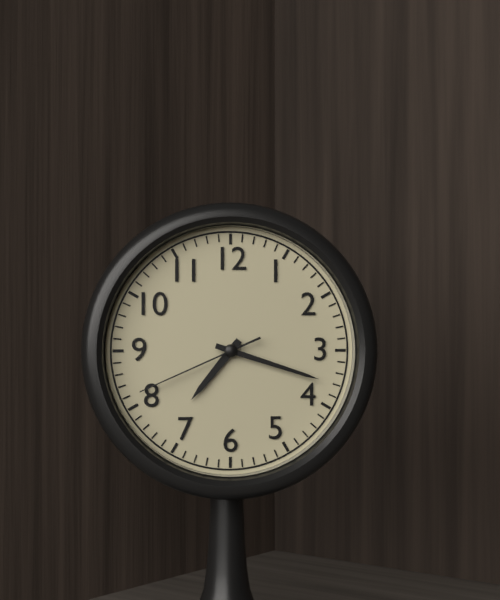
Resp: 7,18,41
